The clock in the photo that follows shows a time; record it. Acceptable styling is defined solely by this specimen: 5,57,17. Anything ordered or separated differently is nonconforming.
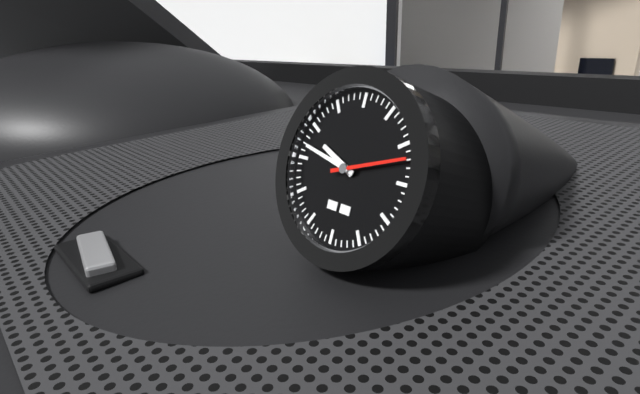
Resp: 9,47,12
